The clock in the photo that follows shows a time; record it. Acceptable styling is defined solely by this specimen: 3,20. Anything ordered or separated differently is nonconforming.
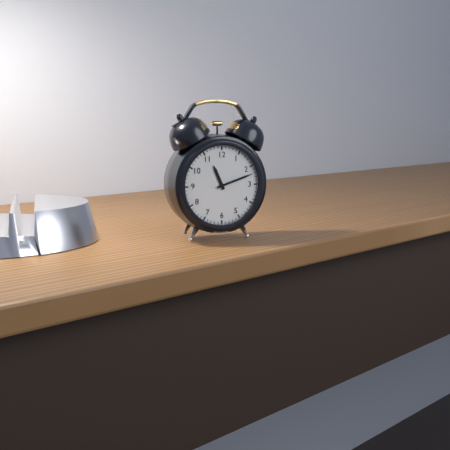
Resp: 11,12
